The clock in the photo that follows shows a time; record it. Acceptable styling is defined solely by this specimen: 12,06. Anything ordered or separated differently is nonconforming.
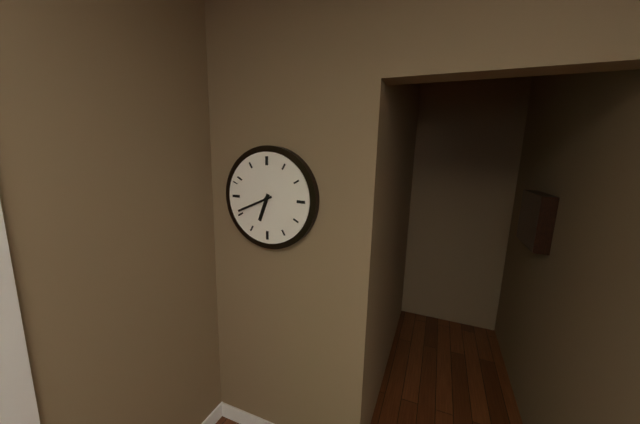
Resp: 6,41
